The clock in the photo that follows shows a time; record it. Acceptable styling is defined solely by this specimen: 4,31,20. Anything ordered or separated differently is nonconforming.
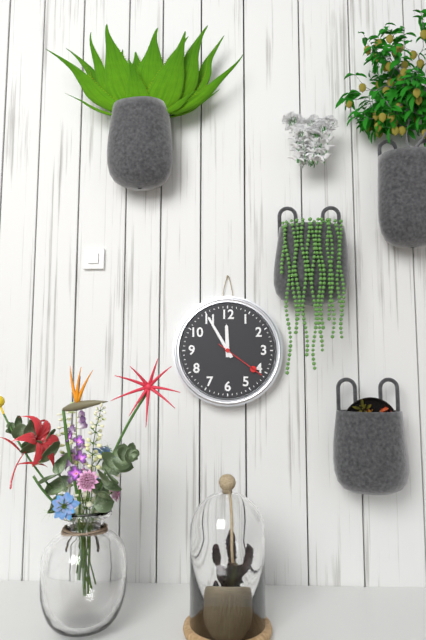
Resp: 11,55,21
